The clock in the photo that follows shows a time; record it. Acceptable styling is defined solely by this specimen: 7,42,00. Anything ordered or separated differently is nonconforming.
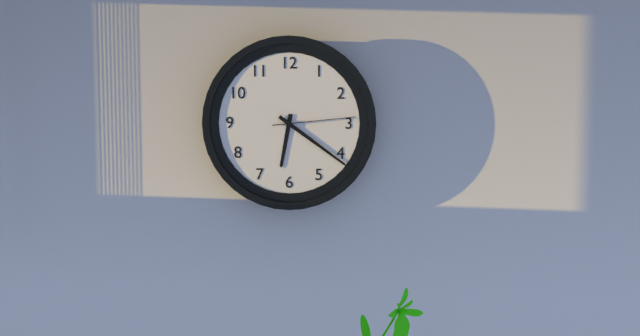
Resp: 6,21,14
